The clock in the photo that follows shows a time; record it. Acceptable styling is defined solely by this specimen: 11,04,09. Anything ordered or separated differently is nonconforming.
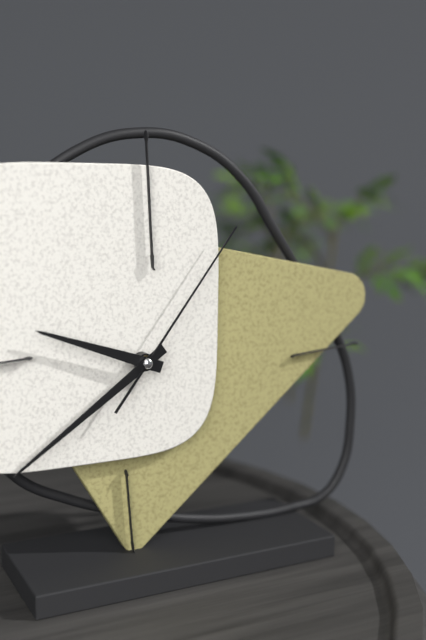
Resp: 9,39,06
